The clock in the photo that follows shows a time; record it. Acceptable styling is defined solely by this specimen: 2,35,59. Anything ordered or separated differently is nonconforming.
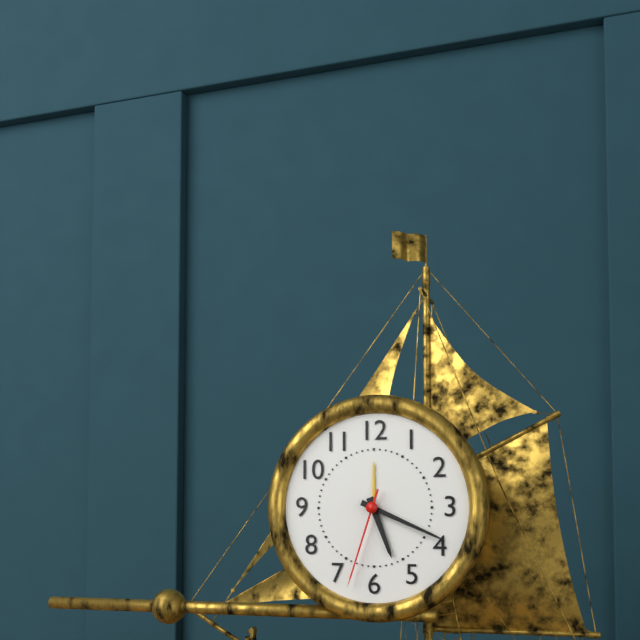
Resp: 5,19,33
